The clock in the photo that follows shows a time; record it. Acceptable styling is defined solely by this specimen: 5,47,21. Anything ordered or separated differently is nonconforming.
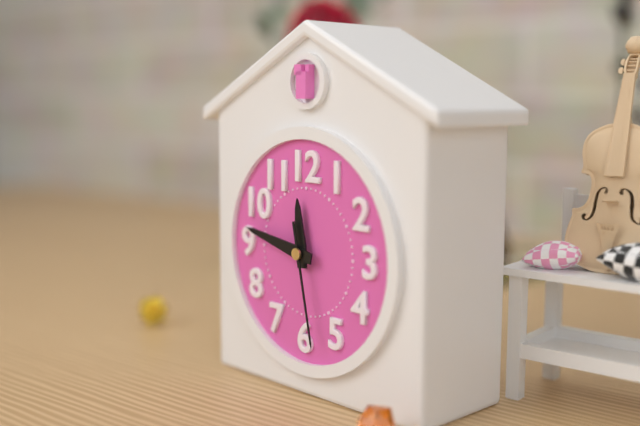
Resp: 11,47,28
